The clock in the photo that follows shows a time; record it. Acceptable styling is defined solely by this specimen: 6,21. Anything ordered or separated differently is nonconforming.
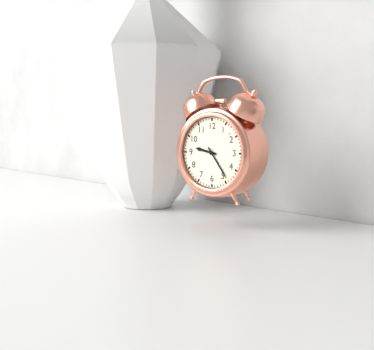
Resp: 9,24
